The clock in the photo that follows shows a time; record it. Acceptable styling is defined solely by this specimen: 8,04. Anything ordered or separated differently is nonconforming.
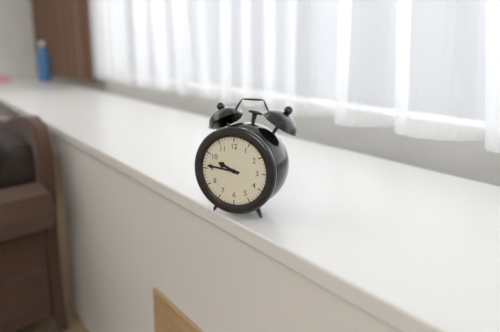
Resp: 9,46
